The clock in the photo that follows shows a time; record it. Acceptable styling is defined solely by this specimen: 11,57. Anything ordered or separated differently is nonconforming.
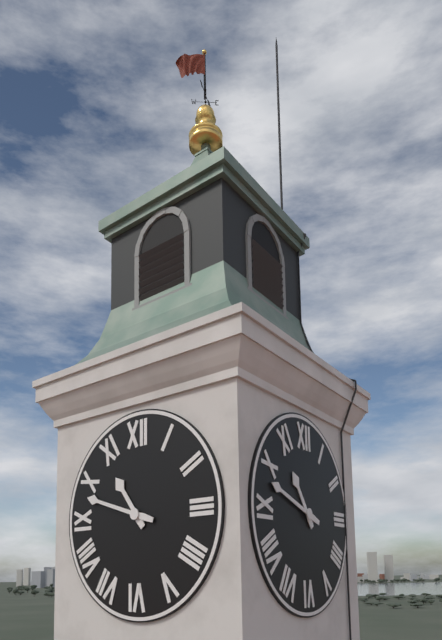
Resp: 10,48
